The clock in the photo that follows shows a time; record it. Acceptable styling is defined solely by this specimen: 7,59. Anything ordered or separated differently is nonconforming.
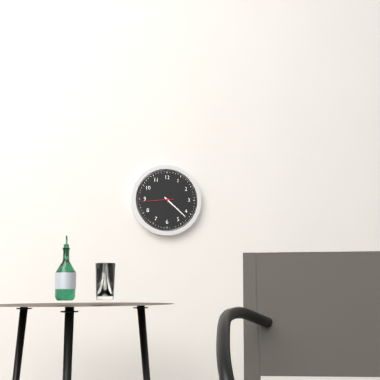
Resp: 4,22
